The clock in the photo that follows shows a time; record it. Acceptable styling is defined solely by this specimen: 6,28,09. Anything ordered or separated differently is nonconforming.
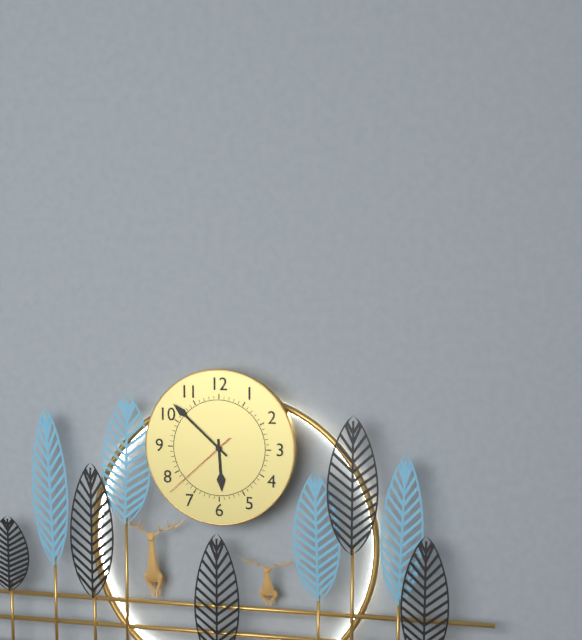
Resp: 5,52,38
